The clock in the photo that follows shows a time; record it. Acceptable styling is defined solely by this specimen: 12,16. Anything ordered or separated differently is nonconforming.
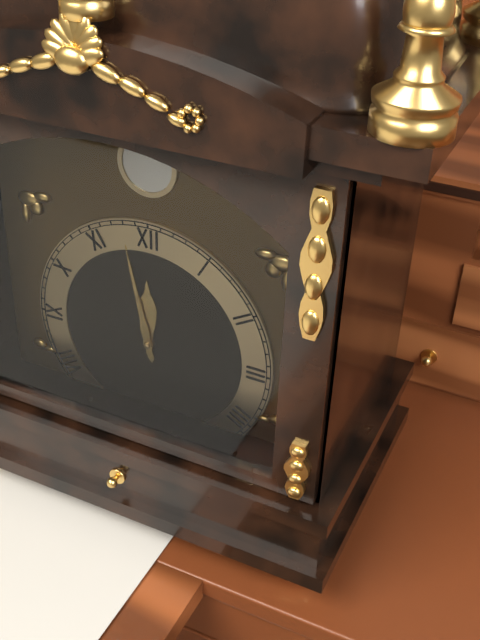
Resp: 11,58
